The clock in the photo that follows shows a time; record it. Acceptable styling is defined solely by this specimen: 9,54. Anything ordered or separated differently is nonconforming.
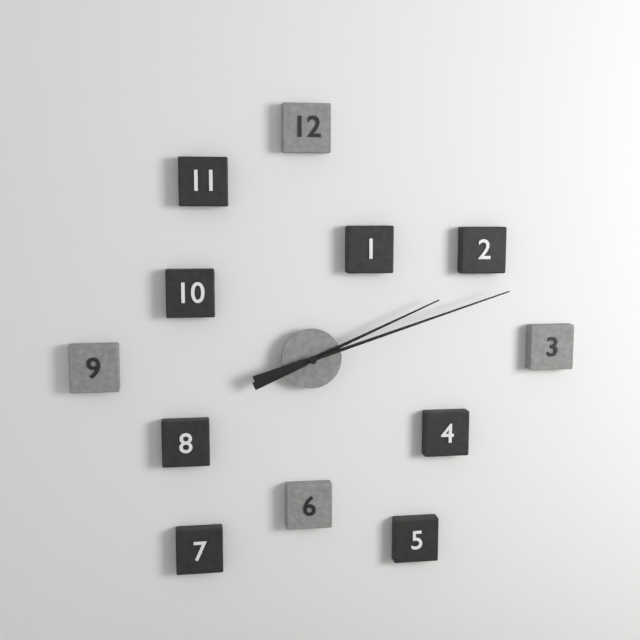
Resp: 2,12
